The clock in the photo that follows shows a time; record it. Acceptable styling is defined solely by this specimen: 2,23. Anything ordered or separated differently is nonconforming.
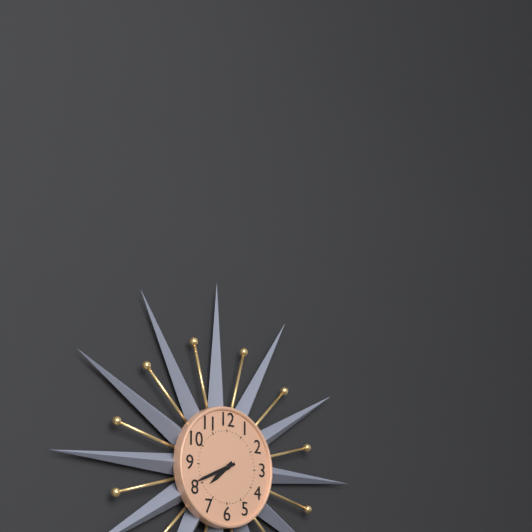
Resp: 7,41
